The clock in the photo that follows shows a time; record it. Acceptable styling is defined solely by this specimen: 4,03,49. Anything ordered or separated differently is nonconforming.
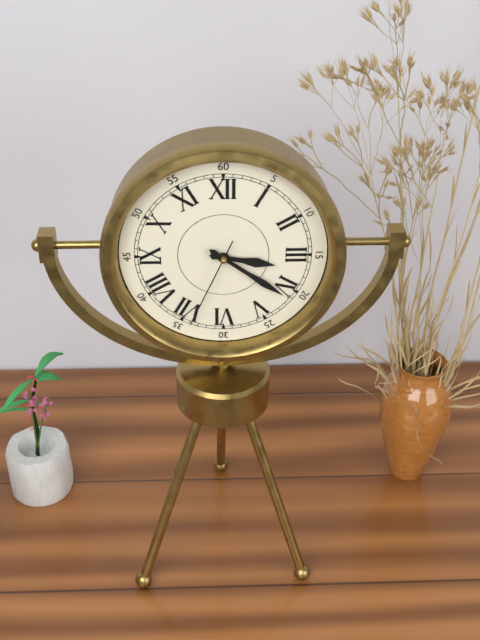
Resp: 3,21,34
